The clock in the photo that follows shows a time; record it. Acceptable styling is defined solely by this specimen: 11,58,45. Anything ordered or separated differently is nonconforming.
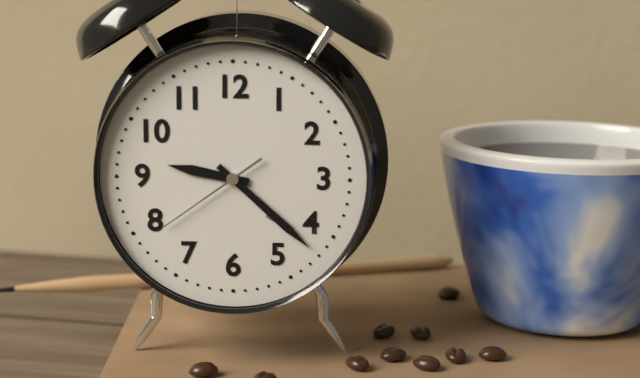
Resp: 9,22,39
